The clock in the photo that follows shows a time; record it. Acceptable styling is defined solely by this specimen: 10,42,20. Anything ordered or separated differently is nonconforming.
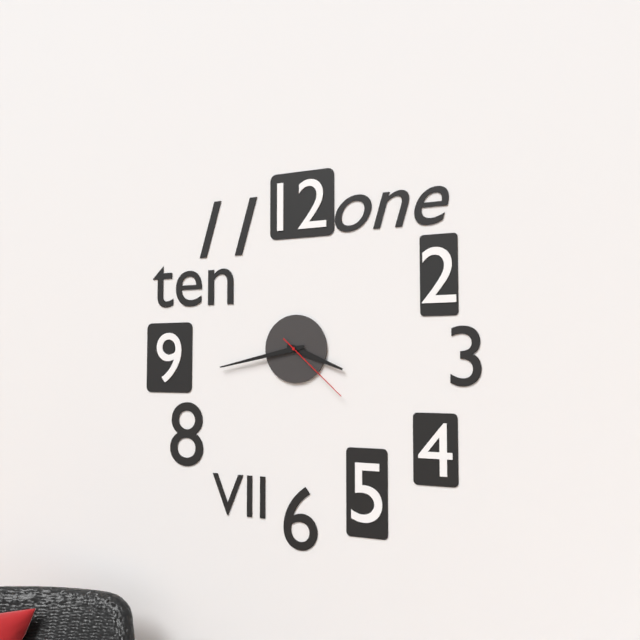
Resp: 3,43,22
